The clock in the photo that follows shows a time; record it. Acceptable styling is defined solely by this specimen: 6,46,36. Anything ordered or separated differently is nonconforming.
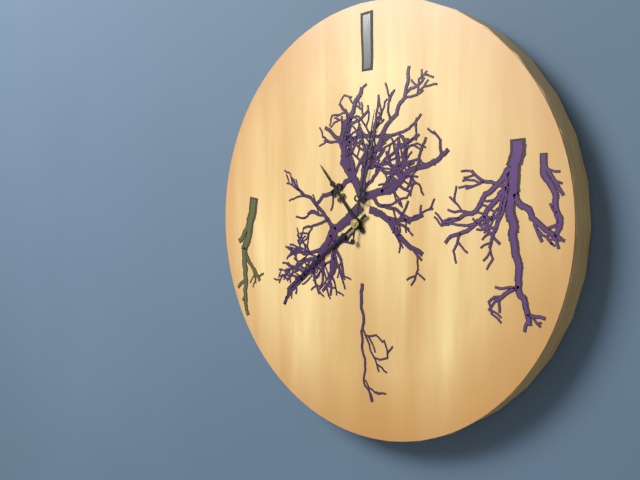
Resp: 10,39,02
